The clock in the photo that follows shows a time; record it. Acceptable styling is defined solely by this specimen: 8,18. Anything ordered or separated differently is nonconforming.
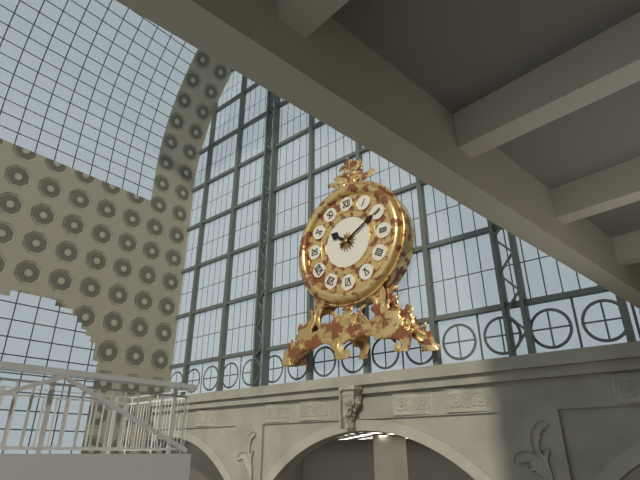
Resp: 10,10
